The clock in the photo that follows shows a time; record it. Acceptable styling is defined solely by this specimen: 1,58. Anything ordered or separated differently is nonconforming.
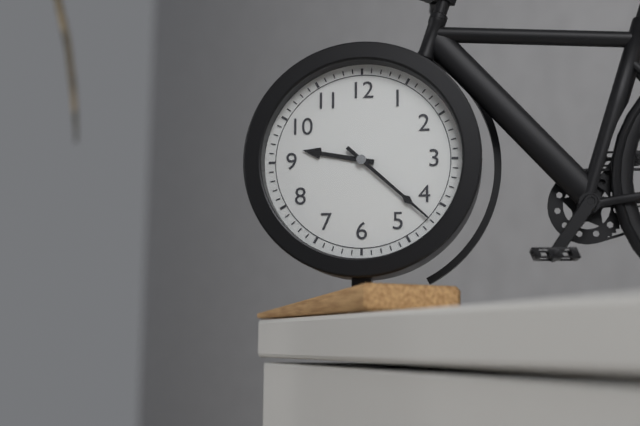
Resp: 9,22
